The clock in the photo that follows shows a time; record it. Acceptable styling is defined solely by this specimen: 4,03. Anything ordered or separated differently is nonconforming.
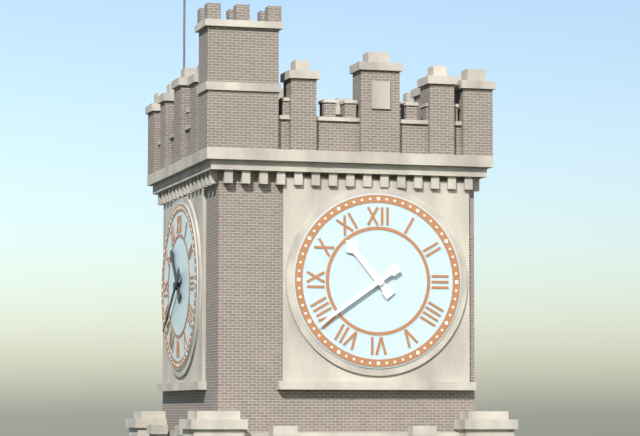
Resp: 10,39
